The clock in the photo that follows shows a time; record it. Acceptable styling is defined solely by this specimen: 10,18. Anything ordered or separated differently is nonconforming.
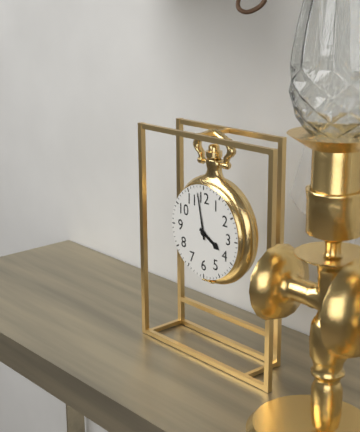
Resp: 3,58
